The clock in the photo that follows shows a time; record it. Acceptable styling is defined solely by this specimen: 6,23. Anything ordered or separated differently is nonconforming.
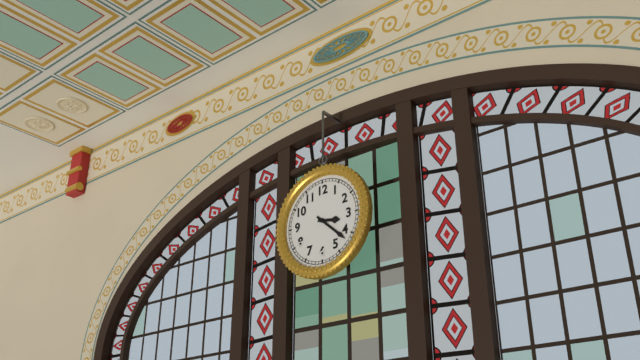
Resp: 3,22
